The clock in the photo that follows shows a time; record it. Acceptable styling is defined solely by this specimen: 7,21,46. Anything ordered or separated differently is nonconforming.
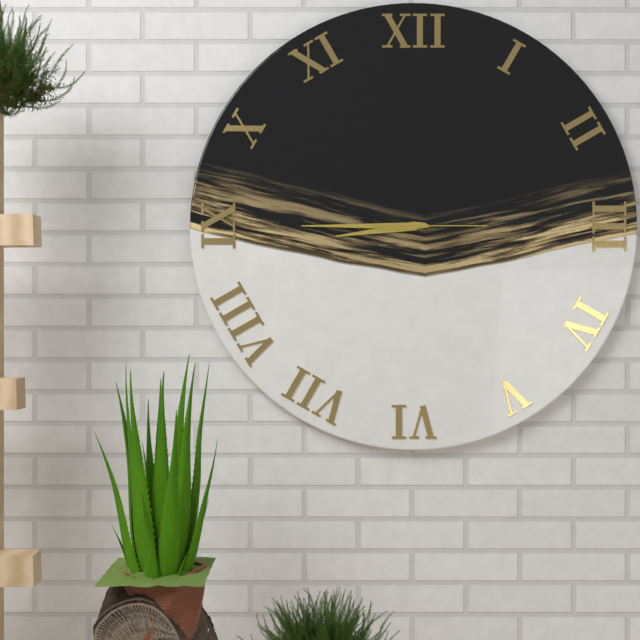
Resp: 8,45,15
